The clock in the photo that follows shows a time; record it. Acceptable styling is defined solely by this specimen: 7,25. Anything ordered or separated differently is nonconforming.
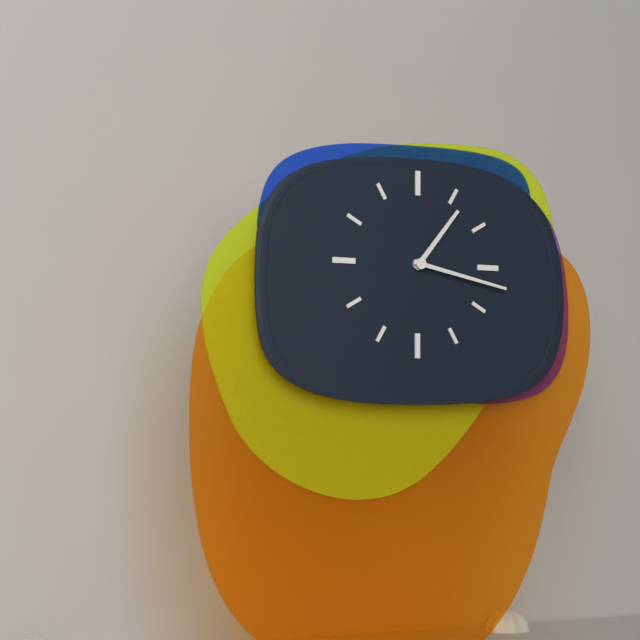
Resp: 1,17
